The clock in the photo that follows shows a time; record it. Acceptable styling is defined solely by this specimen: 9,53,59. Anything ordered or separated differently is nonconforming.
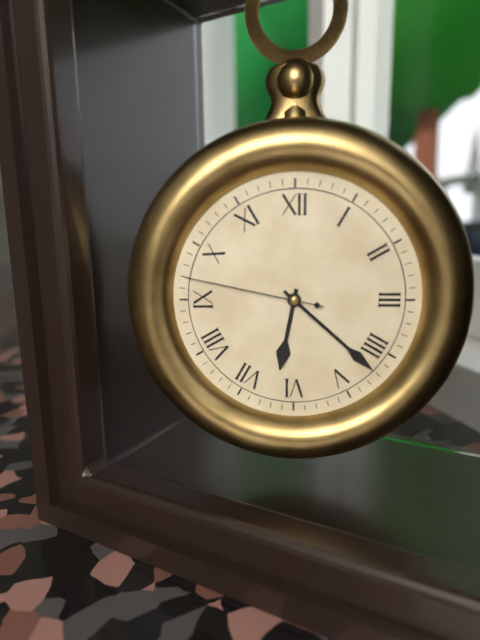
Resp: 6,22,47
